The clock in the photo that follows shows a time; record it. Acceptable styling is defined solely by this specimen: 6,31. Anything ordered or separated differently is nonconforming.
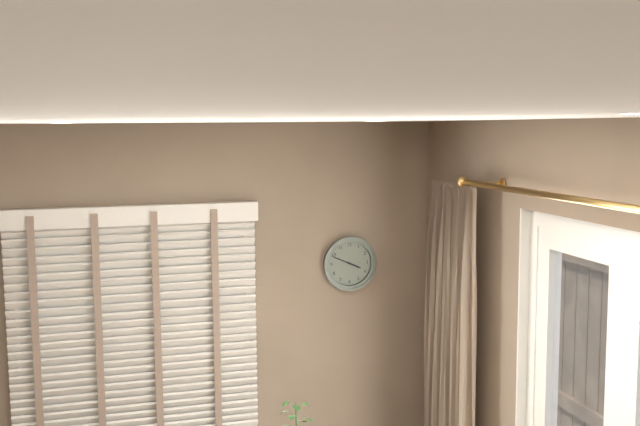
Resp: 3,49
